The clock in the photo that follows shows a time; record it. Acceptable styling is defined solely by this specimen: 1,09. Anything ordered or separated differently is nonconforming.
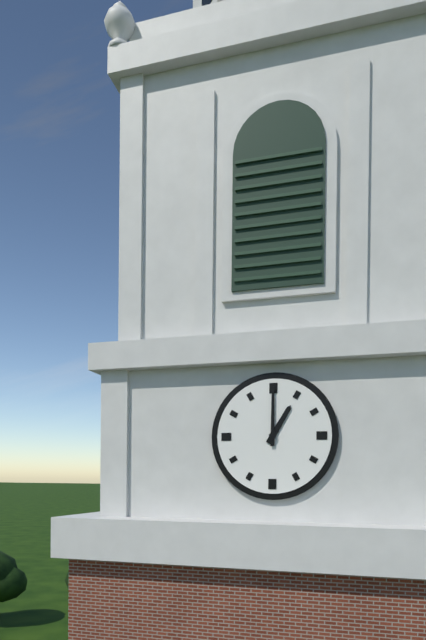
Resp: 1,00
